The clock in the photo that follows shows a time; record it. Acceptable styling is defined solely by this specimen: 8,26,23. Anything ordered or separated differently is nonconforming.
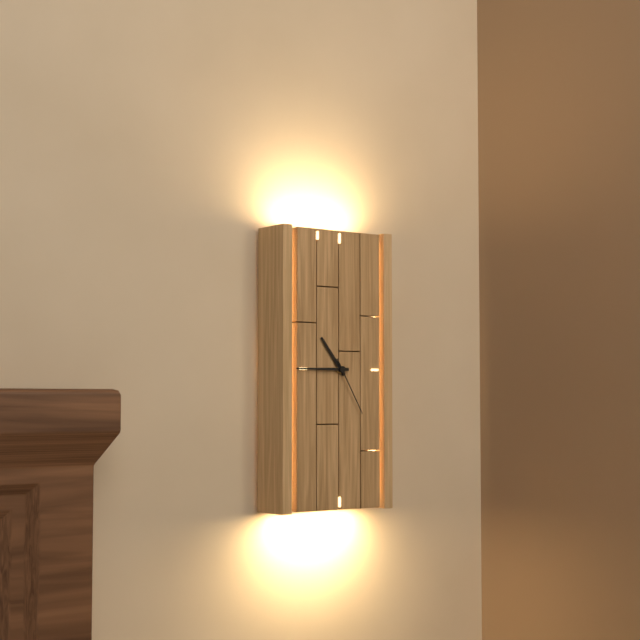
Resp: 10,45,25
